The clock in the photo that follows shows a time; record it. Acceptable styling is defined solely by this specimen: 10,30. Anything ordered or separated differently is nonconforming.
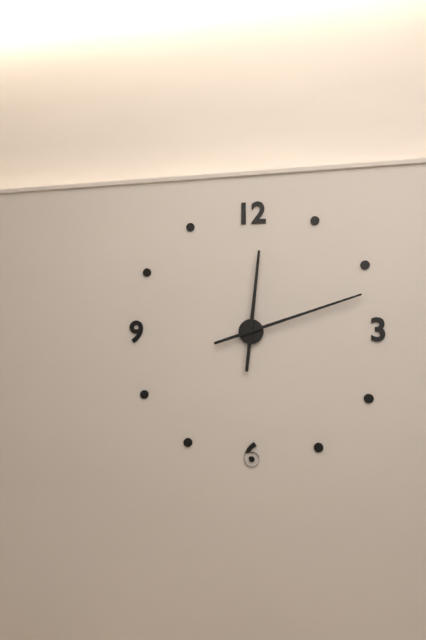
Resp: 12,12
